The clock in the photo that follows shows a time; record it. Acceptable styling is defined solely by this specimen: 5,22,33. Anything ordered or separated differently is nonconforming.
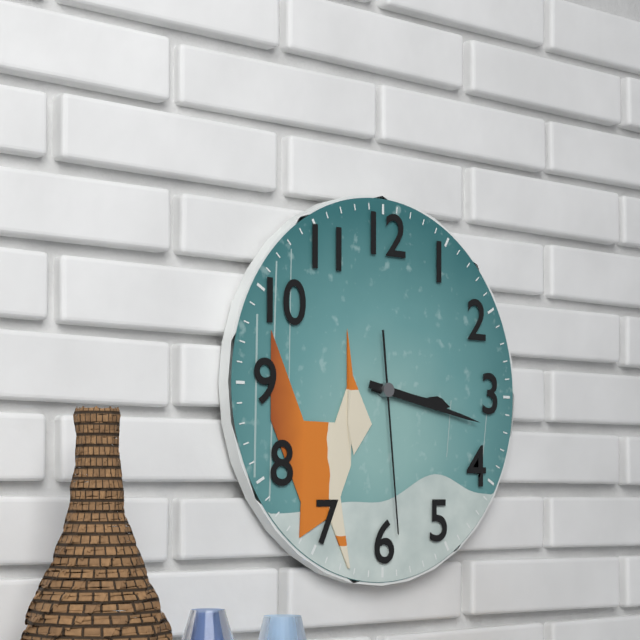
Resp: 3,17,29
